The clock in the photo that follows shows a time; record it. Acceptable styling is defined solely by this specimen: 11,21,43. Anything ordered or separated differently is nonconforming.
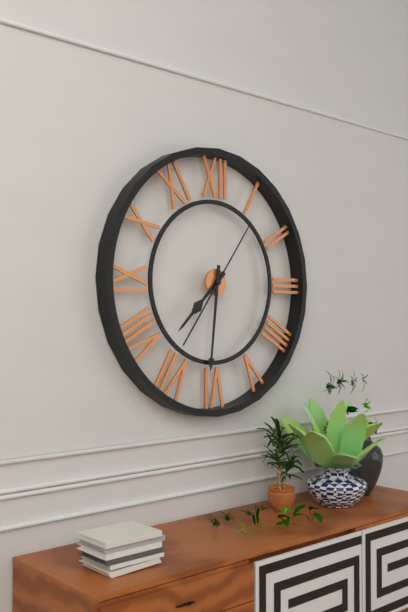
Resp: 7,31,06
